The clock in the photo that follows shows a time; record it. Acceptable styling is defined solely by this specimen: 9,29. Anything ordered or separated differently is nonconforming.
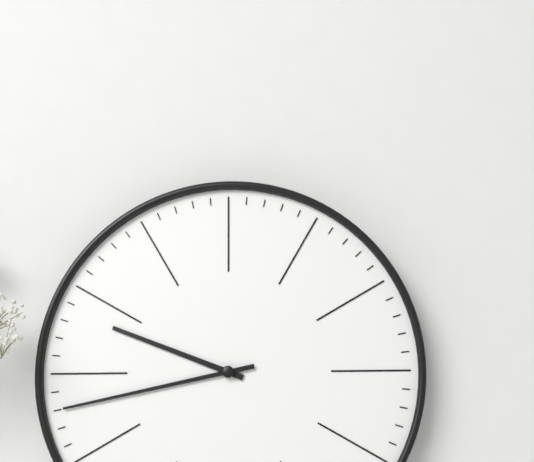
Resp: 9,43
